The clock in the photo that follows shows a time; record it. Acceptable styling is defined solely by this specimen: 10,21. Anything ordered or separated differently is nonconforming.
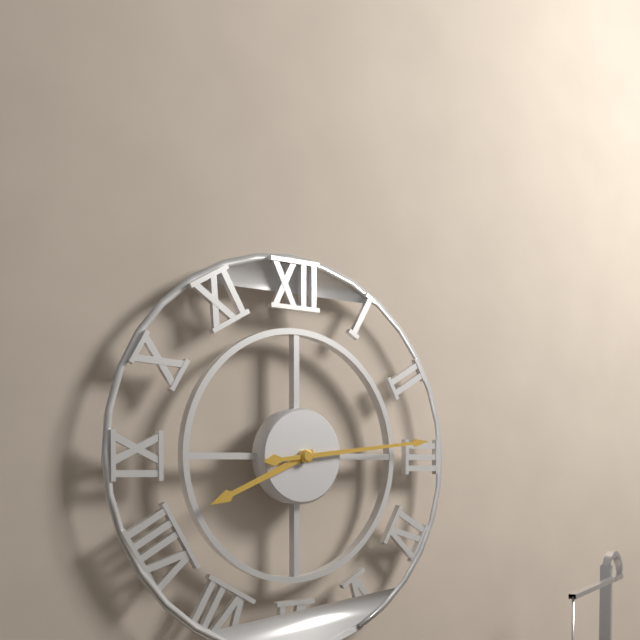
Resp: 8,14
